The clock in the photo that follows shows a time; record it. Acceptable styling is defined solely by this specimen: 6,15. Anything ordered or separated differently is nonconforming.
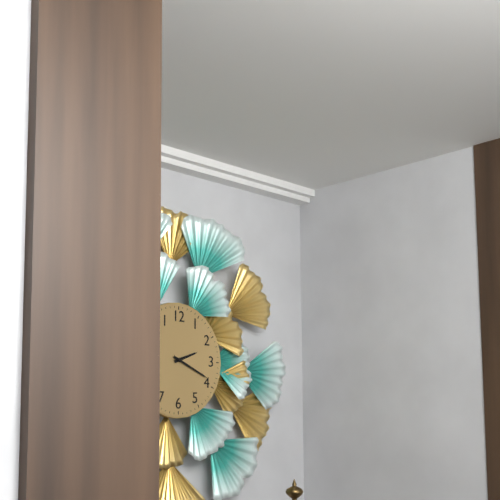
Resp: 2,19
